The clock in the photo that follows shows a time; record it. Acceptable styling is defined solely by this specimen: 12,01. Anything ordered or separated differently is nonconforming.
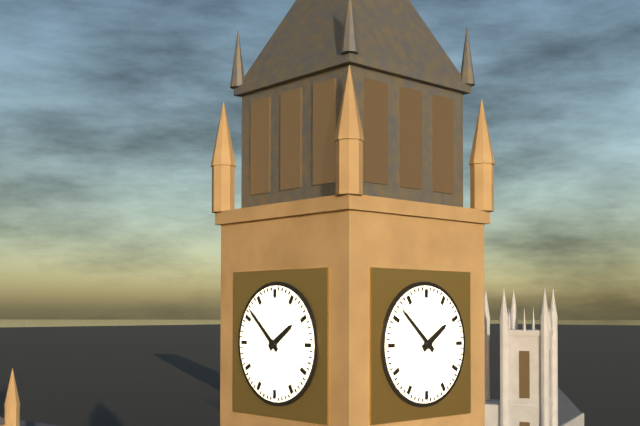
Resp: 1,52
